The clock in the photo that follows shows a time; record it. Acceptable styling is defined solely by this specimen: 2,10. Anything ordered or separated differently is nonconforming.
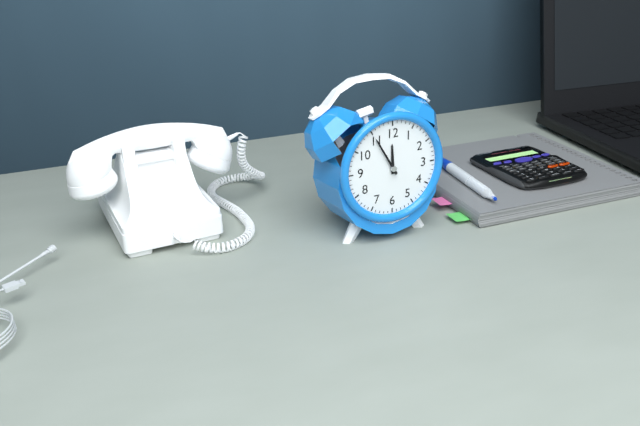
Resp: 11,55
